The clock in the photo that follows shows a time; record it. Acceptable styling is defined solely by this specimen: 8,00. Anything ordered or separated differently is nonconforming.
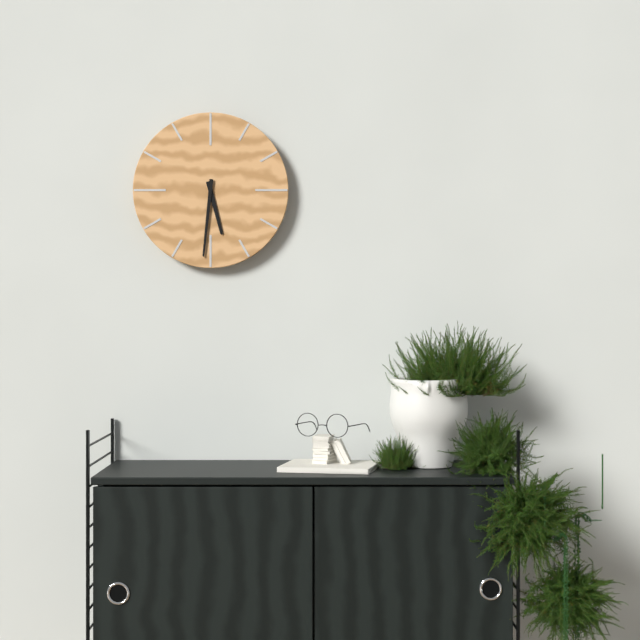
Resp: 5,31
